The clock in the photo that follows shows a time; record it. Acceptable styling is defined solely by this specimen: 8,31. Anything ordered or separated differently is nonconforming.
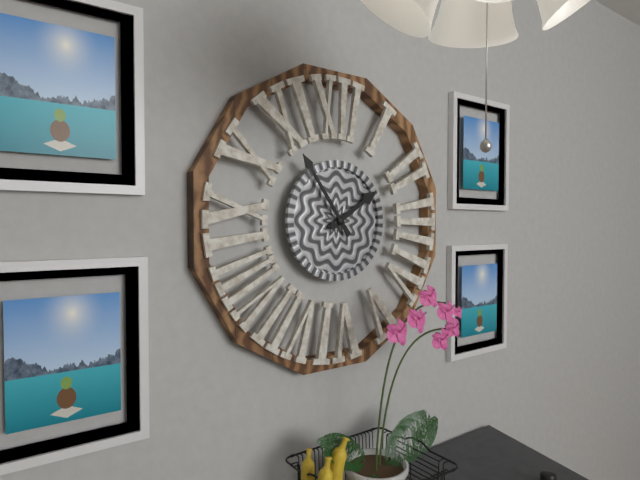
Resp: 1,54
